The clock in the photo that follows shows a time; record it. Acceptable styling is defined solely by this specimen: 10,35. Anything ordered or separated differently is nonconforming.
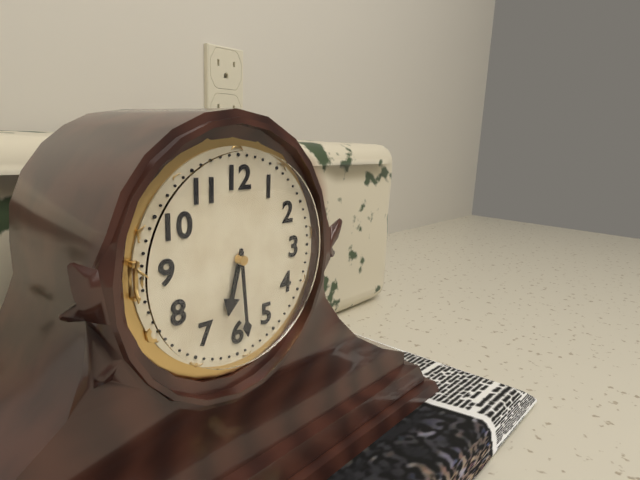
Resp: 6,29
